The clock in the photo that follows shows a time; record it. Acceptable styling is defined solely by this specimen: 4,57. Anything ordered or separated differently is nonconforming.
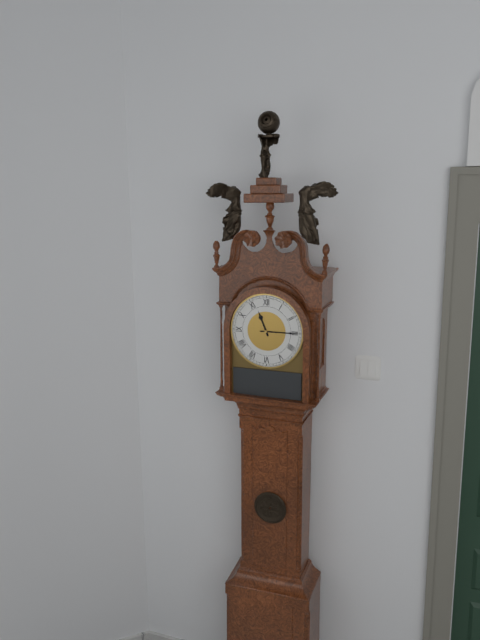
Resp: 11,15
